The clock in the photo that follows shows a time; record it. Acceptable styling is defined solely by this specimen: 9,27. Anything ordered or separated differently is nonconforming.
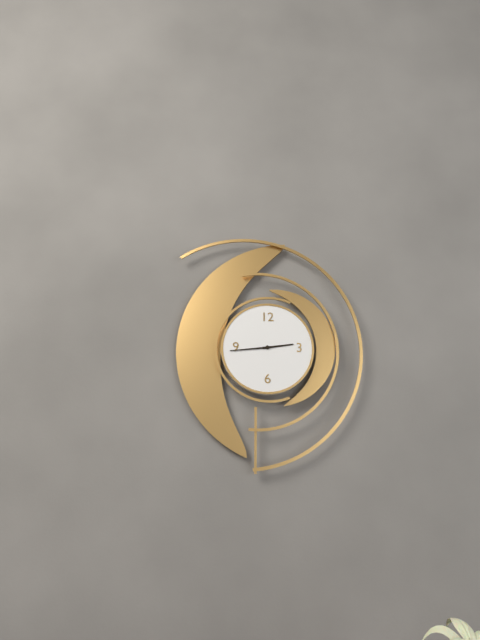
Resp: 2,44
